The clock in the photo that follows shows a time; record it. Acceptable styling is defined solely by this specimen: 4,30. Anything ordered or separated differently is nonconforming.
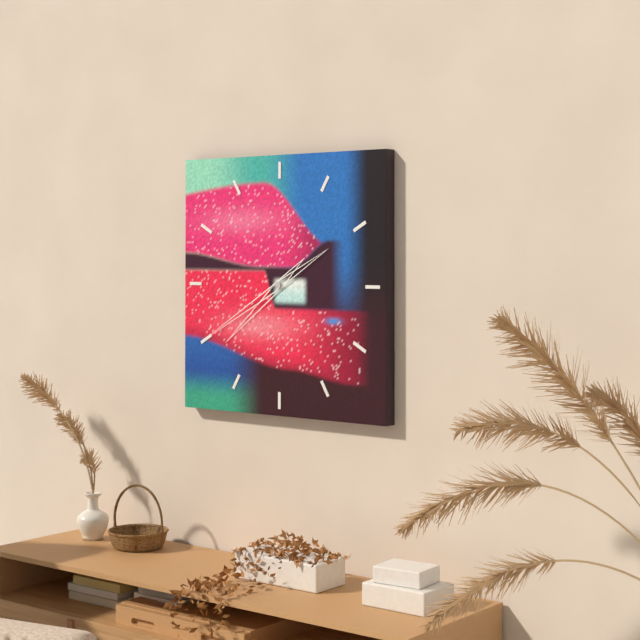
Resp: 7,40
